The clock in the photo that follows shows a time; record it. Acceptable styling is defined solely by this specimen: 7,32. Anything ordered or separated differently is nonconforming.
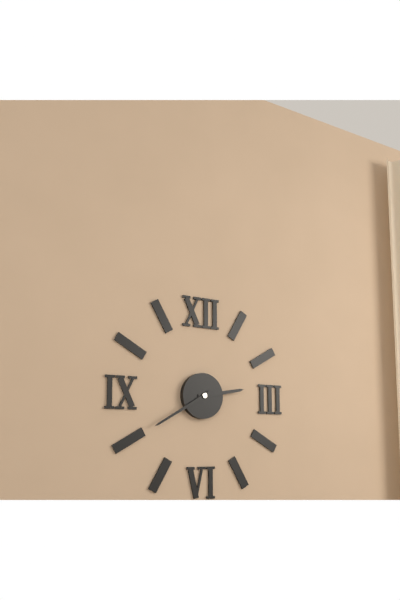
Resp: 2,40
